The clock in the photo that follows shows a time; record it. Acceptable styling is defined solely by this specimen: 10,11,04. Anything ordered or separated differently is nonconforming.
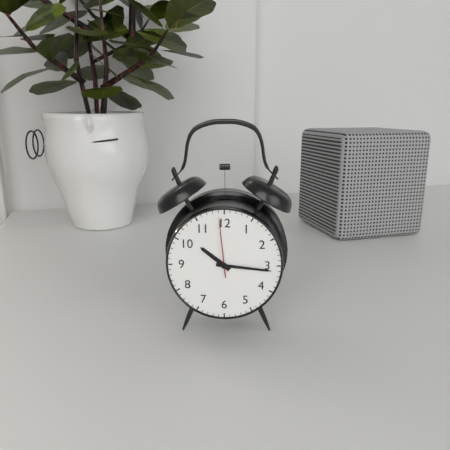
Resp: 10,16,59
